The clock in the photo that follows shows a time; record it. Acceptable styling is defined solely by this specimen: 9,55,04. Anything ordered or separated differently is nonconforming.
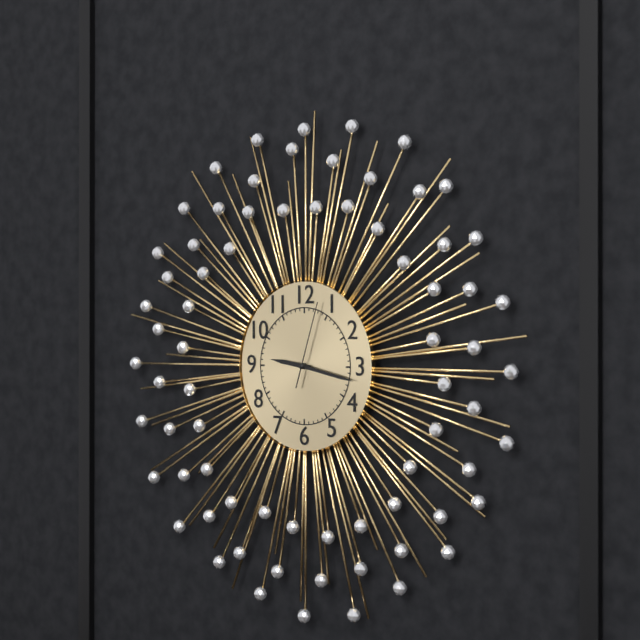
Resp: 9,17,03
